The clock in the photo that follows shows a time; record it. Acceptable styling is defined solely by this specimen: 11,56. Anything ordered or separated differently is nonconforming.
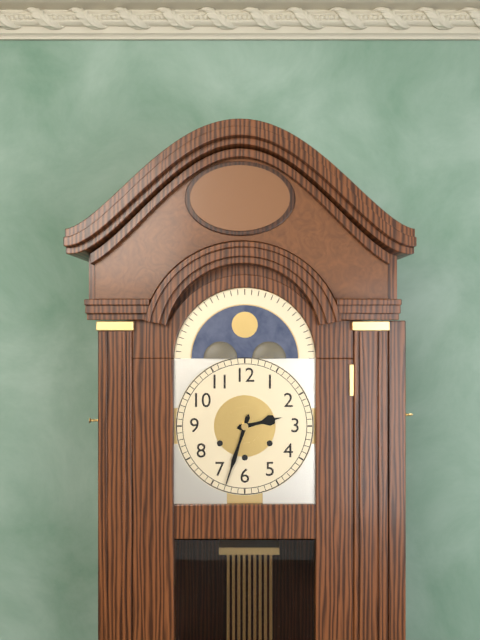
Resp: 2,33
